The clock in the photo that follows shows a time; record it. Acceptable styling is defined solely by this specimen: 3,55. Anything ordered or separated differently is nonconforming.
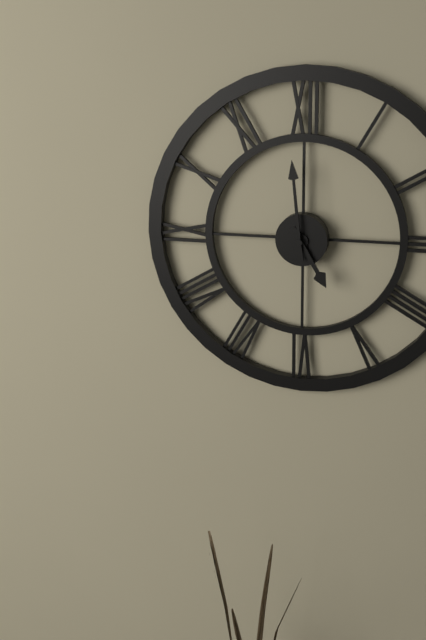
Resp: 4,59
